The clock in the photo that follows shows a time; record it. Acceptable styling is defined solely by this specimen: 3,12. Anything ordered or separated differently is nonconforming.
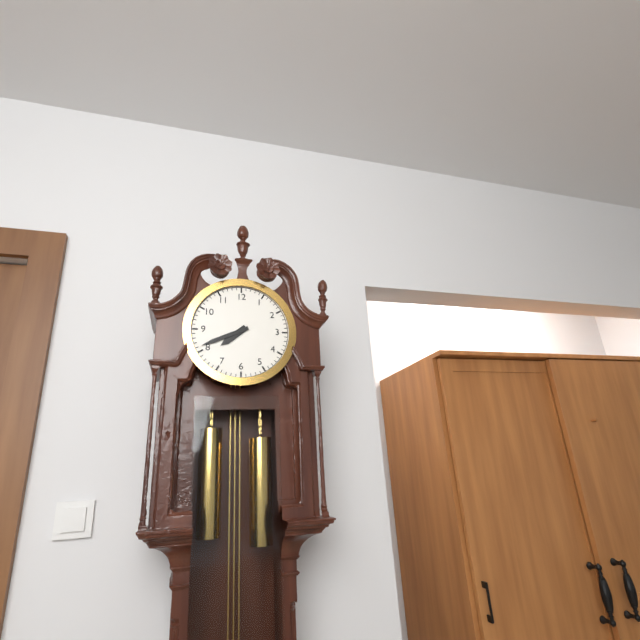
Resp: 7,41
